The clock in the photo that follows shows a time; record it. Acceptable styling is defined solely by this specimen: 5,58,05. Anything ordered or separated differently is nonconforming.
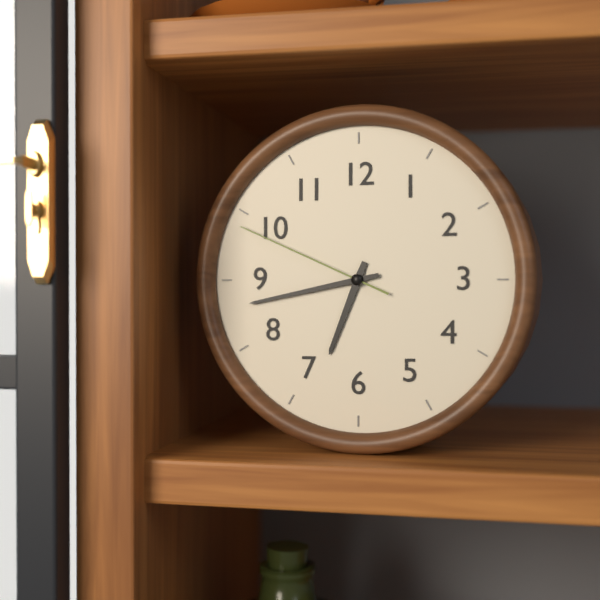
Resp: 6,43,49
